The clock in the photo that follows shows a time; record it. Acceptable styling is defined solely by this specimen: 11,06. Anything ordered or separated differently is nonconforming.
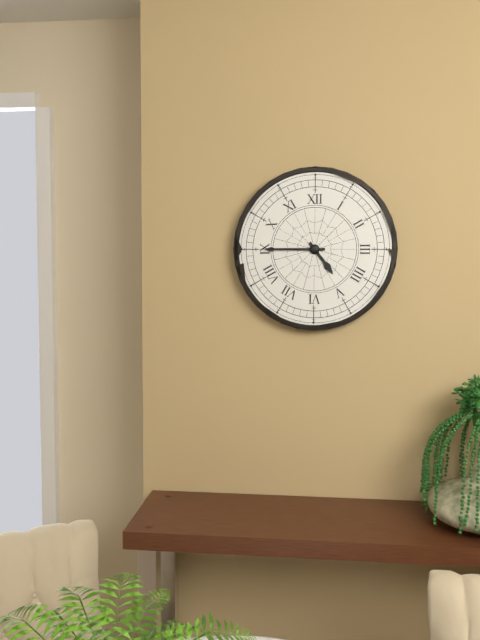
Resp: 4,45
